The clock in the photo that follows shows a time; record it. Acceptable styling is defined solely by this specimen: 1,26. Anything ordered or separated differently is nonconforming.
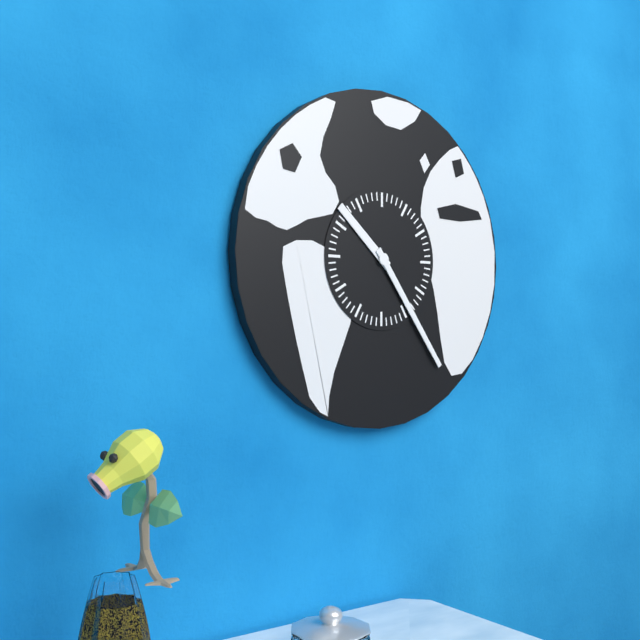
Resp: 10,24
